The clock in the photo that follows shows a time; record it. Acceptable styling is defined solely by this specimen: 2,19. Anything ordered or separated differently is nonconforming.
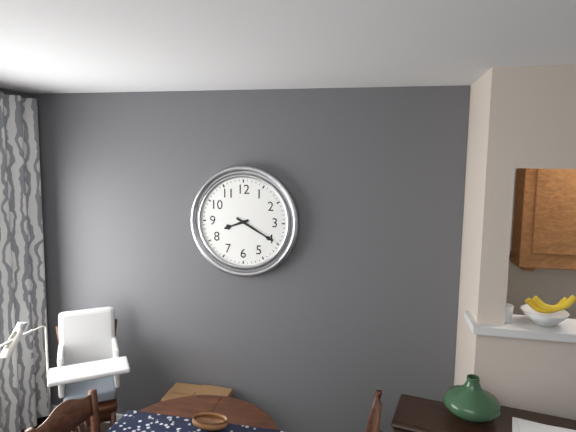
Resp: 8,20
